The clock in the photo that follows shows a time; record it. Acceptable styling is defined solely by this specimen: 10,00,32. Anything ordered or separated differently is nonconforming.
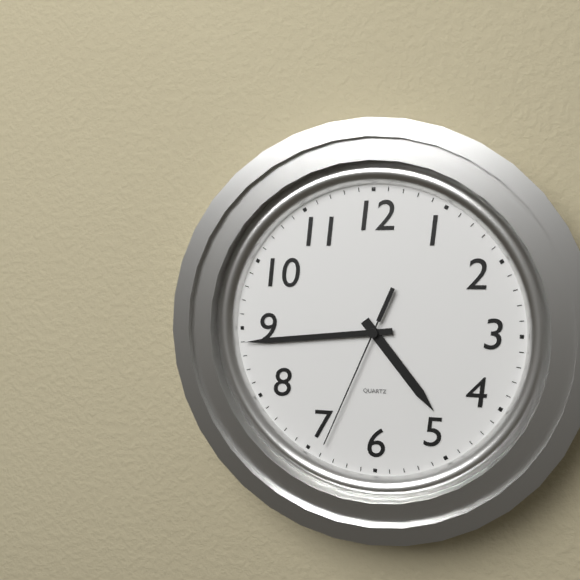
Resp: 4,44,34
